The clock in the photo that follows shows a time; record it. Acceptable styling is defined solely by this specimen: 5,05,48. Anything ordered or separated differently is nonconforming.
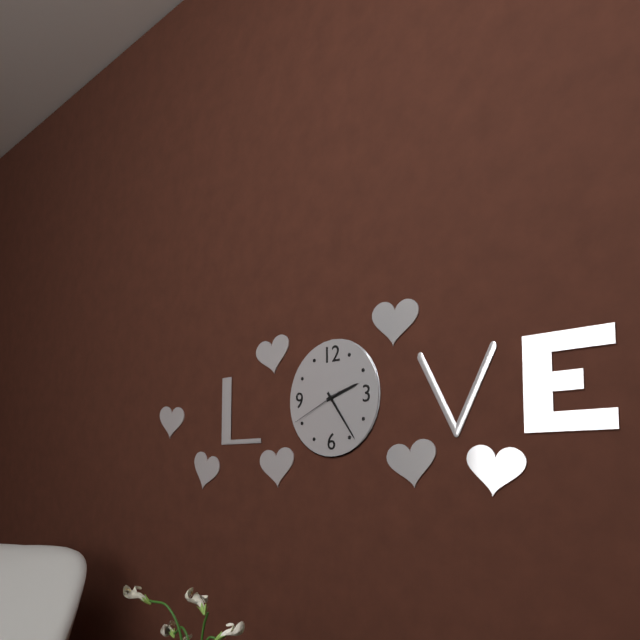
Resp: 2,24,41
